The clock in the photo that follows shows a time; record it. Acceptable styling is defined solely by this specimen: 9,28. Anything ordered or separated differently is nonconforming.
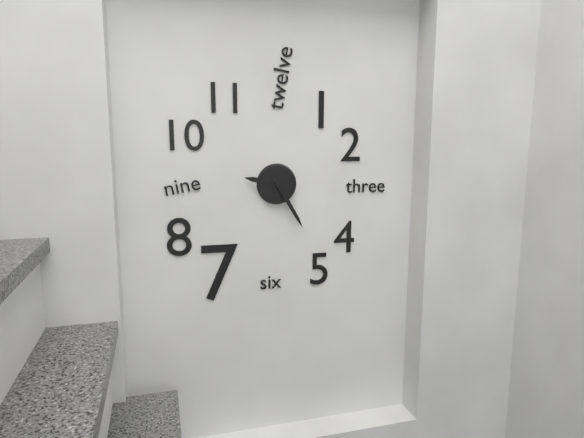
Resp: 9,25
